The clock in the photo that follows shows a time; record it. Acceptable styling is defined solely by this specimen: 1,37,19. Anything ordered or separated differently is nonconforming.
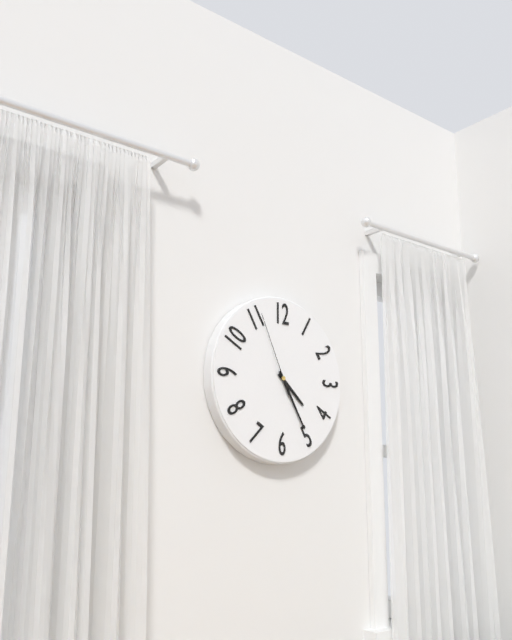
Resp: 4,25,56
